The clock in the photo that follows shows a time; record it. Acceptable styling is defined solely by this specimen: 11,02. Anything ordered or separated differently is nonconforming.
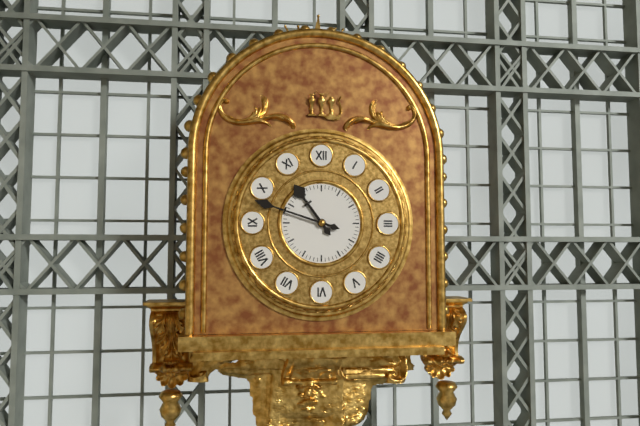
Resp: 10,48
